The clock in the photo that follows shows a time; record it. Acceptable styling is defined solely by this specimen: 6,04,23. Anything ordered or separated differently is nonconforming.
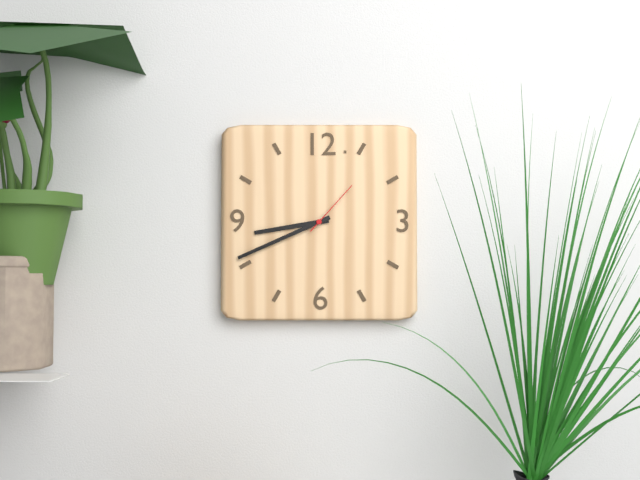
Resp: 8,41,07
